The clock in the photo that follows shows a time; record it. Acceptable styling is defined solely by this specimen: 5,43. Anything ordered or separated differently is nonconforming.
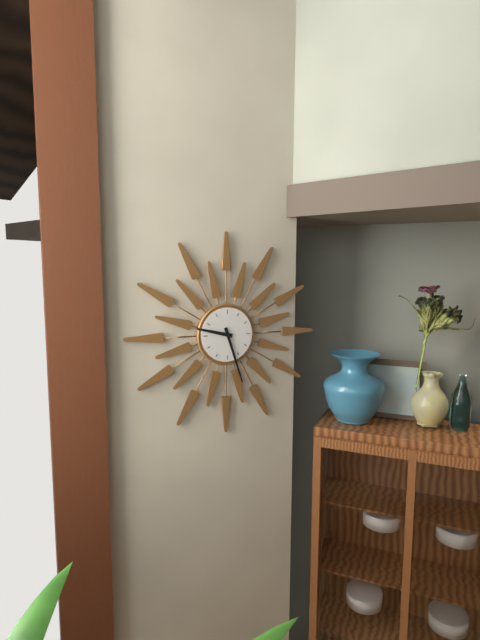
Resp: 9,27
